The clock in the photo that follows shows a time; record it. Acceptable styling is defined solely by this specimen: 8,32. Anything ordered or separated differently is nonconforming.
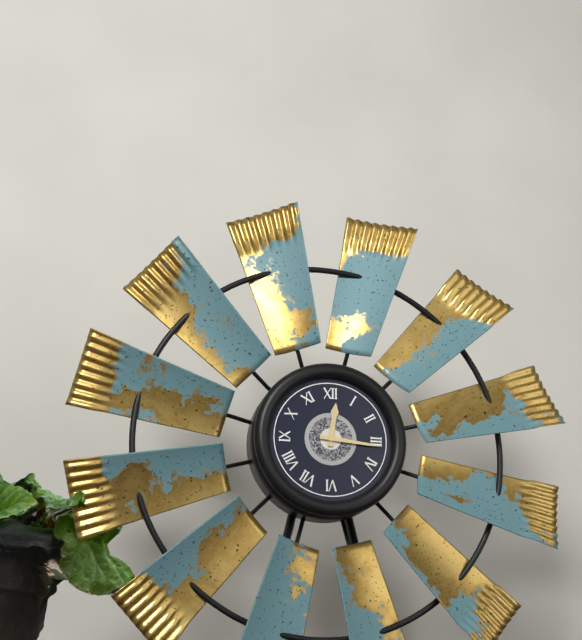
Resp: 12,16
